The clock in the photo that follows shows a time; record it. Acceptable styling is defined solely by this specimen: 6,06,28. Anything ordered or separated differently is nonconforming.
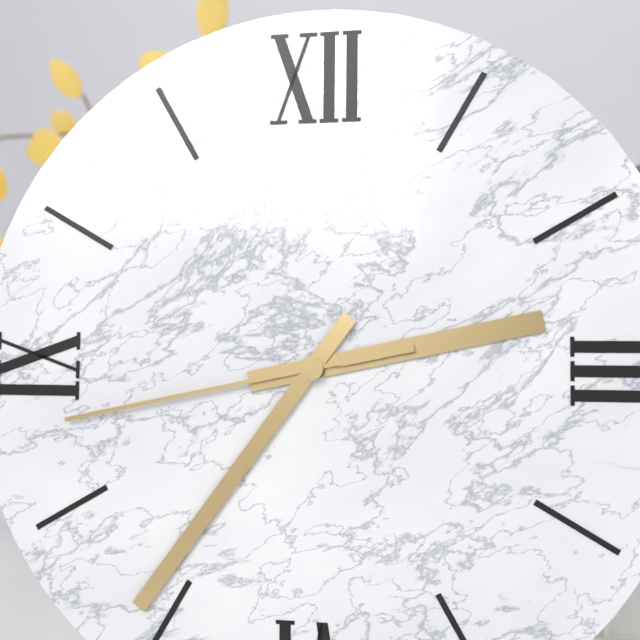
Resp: 2,36,43
